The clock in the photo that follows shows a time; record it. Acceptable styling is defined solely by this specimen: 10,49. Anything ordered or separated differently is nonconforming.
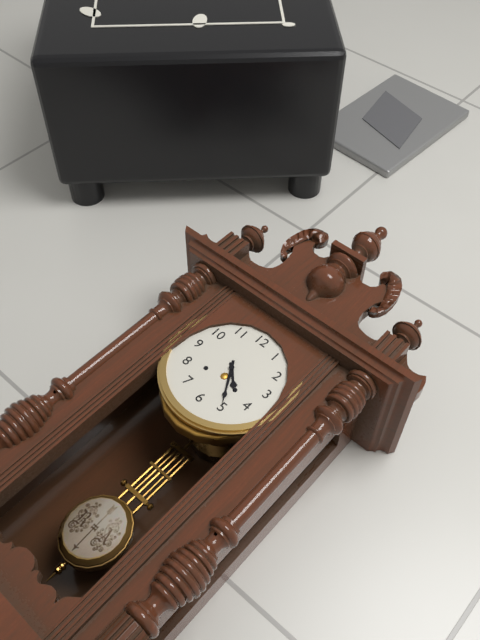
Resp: 4,25
